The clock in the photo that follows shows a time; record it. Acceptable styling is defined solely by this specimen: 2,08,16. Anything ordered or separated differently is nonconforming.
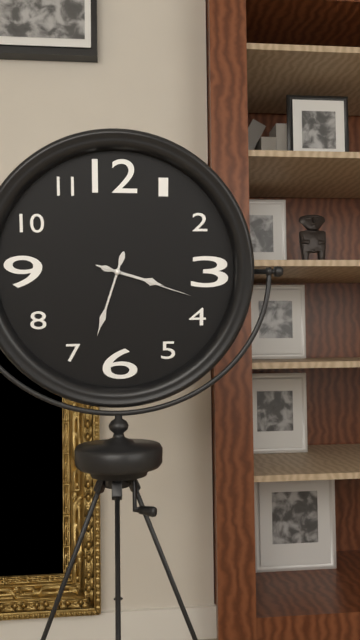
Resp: 3,33,18
